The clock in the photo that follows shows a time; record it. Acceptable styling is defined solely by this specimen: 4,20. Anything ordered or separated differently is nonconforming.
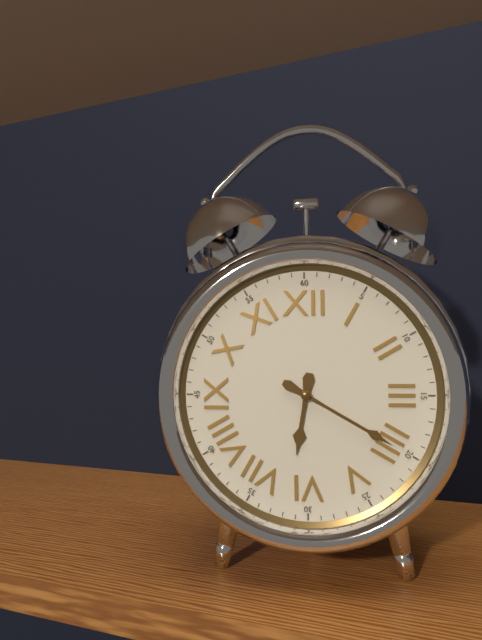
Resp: 6,20
